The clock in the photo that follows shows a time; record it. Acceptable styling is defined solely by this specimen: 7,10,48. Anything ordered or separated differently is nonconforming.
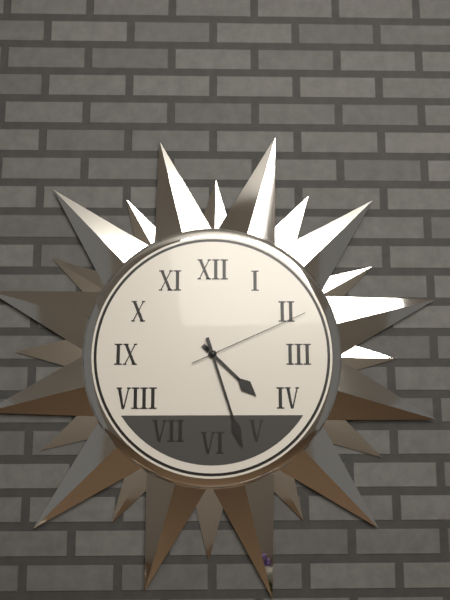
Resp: 4,27,11
